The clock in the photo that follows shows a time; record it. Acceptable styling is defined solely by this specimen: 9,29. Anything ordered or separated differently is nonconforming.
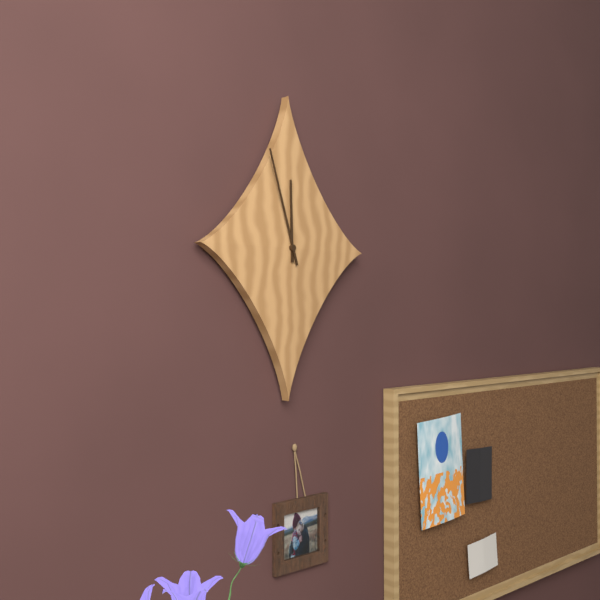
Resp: 11,57
